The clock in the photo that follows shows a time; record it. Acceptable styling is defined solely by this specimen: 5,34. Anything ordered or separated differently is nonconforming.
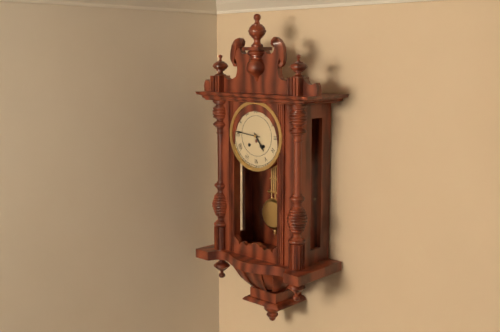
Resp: 4,46
